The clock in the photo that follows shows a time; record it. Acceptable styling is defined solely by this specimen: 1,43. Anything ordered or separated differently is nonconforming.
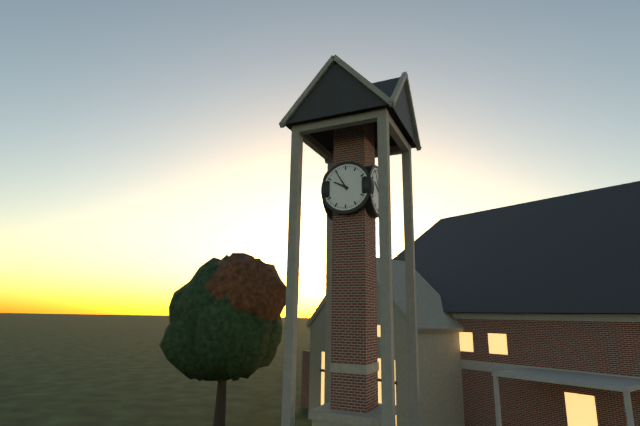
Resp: 9,55
